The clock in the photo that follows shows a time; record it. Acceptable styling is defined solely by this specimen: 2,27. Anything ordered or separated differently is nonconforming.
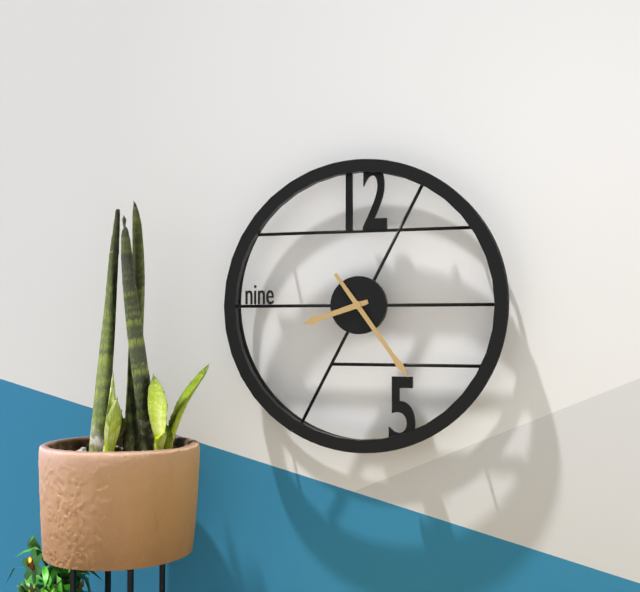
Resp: 8,24
